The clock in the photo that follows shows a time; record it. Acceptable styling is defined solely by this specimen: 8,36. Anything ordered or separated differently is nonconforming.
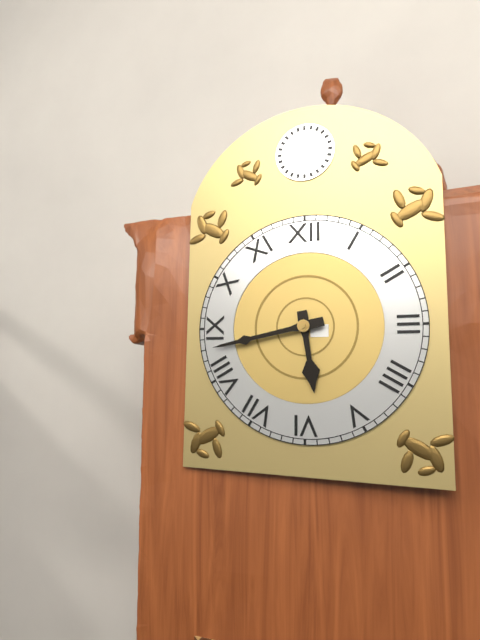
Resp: 5,43
